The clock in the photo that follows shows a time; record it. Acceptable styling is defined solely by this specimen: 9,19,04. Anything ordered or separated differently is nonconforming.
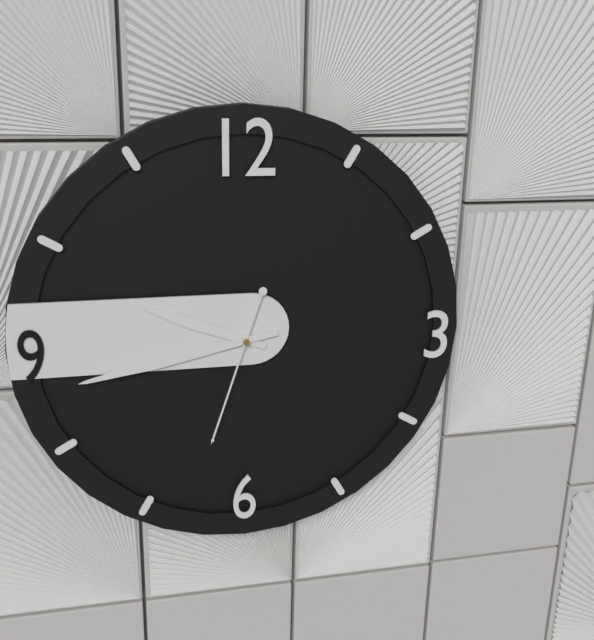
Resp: 9,43,33
